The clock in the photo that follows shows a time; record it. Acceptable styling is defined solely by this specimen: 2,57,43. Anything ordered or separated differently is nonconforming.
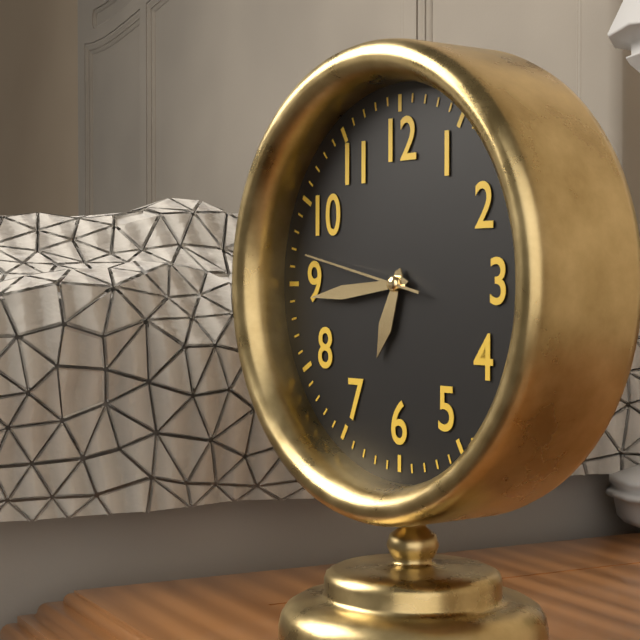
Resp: 6,44,47
